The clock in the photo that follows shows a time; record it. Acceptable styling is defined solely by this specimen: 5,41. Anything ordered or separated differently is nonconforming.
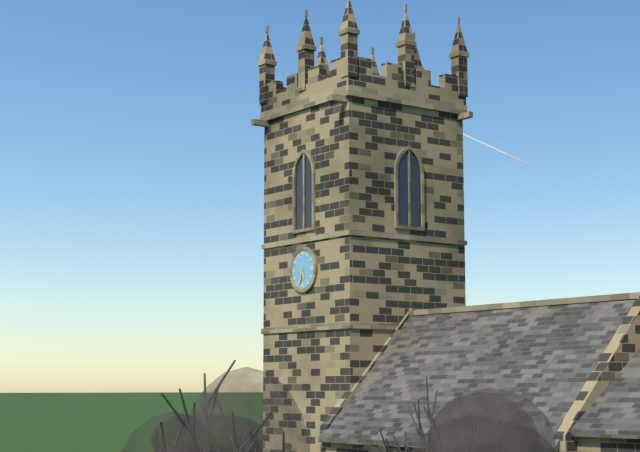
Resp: 5,33
